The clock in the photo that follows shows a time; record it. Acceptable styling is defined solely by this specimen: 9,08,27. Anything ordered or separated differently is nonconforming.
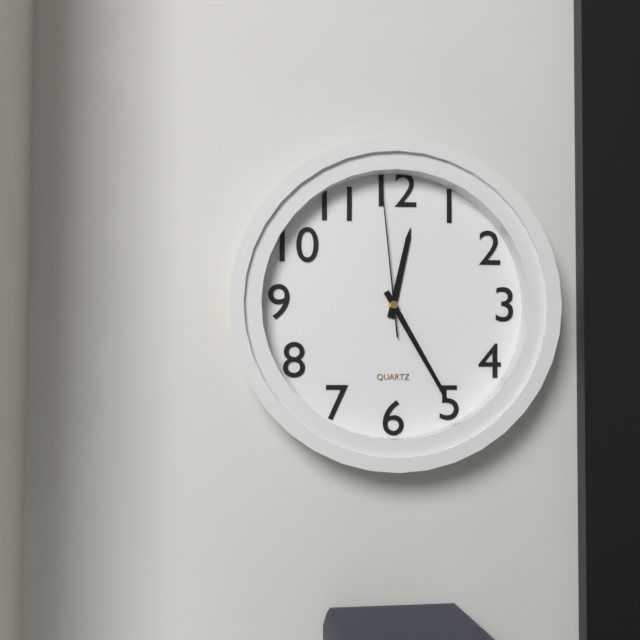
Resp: 12,25,59
